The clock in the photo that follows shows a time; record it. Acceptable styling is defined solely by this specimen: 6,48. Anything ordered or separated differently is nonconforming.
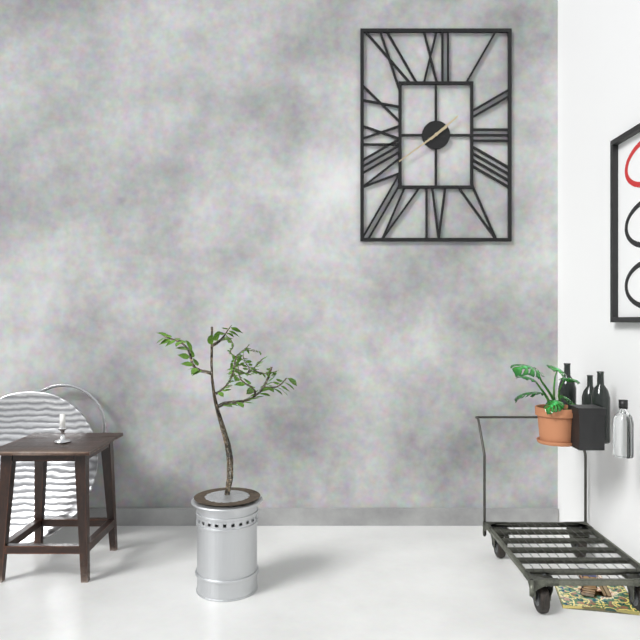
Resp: 1,39
